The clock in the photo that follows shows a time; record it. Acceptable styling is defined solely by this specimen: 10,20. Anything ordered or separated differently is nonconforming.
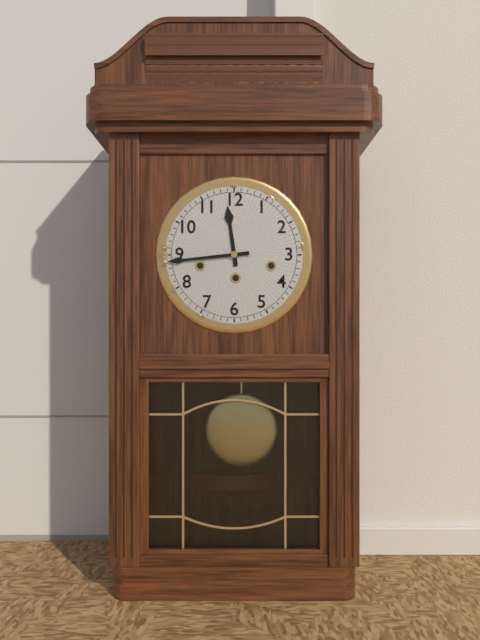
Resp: 11,44
